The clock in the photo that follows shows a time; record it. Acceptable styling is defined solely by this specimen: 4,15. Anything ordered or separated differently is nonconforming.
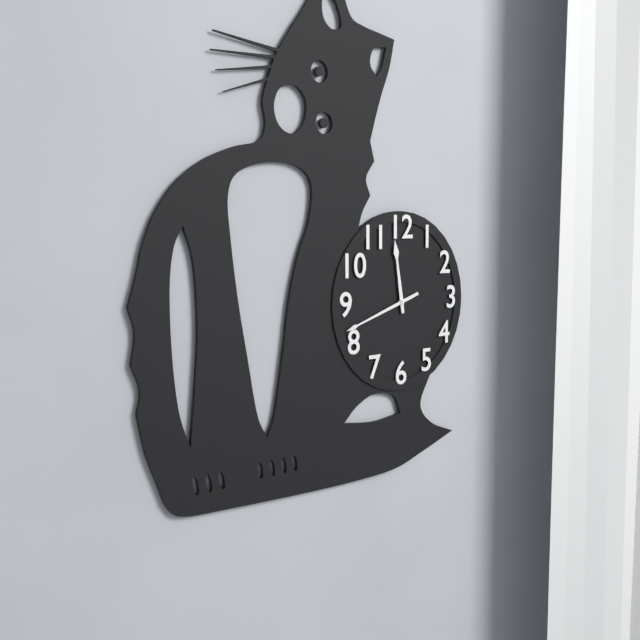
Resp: 11,42
